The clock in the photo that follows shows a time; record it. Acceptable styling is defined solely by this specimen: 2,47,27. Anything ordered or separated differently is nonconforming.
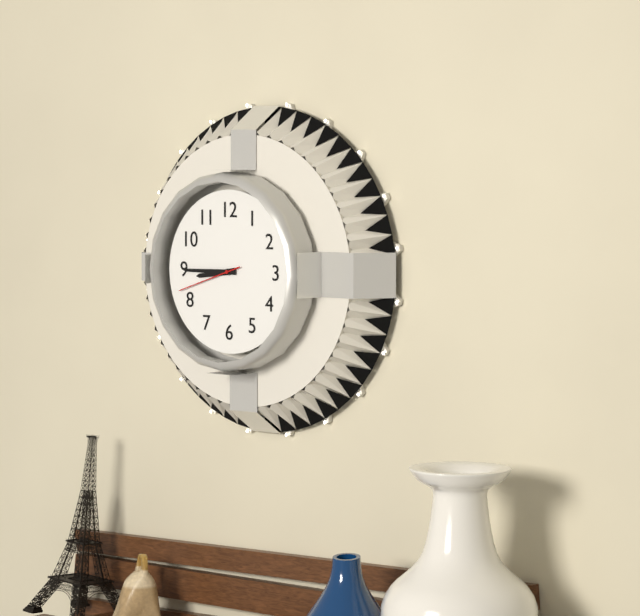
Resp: 8,45,42
